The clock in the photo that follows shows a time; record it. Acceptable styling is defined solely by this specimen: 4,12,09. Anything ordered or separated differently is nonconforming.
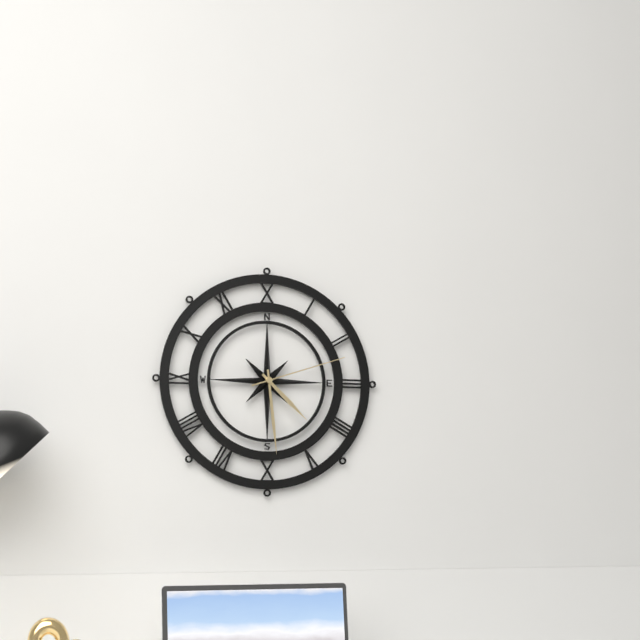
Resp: 4,29,12
